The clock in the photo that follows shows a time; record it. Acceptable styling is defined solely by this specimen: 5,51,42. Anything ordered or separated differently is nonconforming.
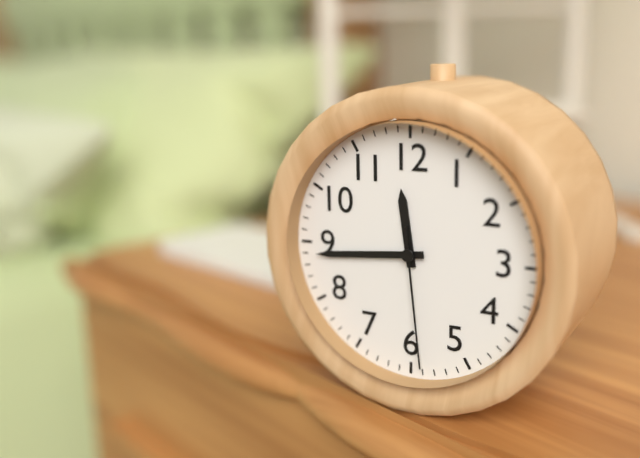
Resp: 11,44,29
